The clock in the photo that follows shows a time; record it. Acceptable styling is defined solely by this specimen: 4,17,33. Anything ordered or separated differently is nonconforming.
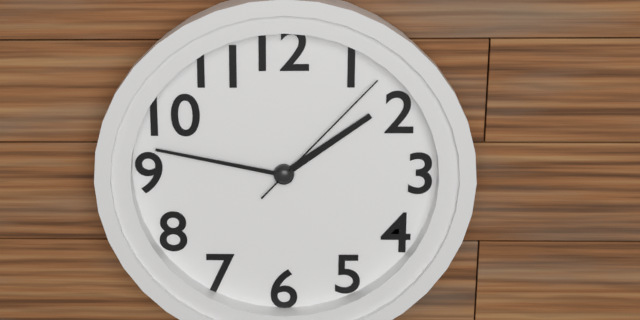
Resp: 1,47,07
